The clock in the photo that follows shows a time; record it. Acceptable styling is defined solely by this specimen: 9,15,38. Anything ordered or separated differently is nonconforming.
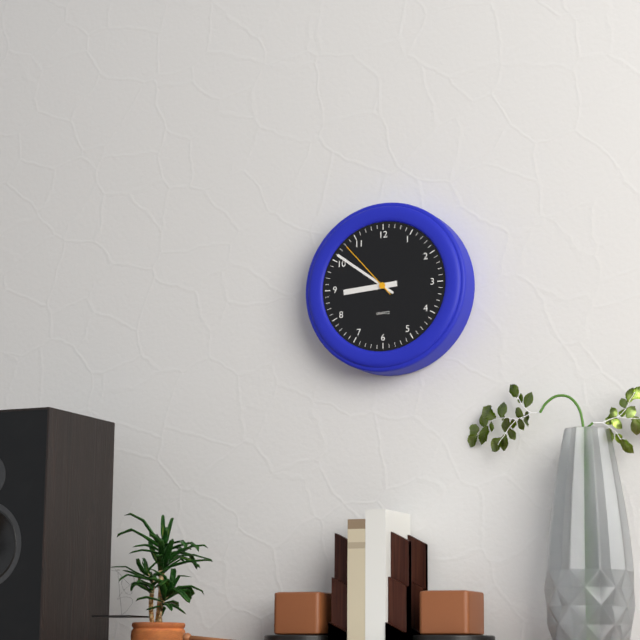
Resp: 8,51,53
